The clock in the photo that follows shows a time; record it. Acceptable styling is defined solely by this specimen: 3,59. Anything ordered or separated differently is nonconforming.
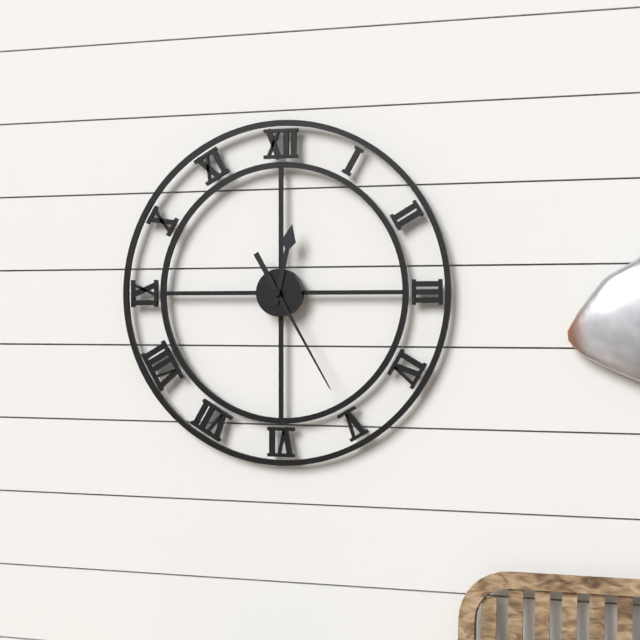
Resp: 12,25
